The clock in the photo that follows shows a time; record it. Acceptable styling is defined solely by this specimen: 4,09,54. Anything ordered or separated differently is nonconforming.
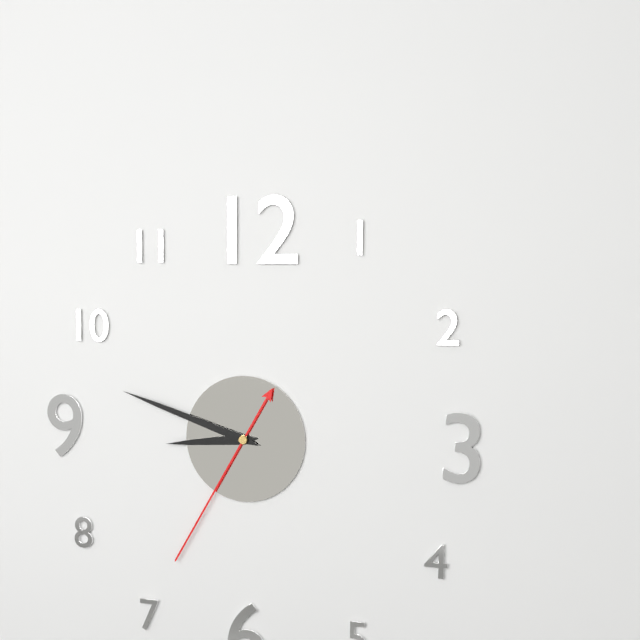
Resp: 8,48,35
